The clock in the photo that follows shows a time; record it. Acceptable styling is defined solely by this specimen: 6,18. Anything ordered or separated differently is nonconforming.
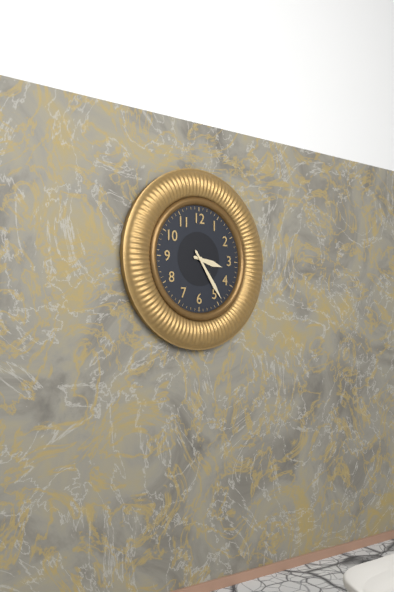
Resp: 3,24
